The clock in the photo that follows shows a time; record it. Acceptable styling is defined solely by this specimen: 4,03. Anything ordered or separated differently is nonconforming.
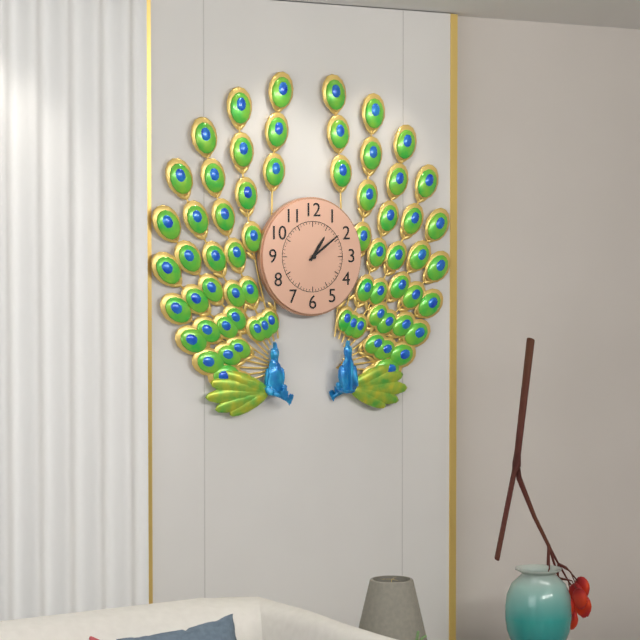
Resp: 1,09
